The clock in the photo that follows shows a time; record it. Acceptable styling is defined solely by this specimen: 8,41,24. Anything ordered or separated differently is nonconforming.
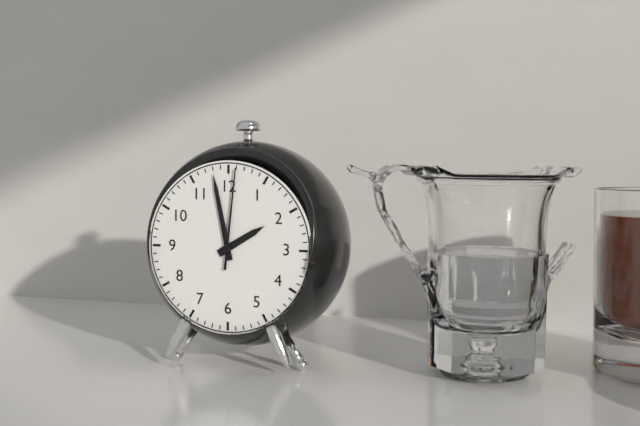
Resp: 1,58,01
